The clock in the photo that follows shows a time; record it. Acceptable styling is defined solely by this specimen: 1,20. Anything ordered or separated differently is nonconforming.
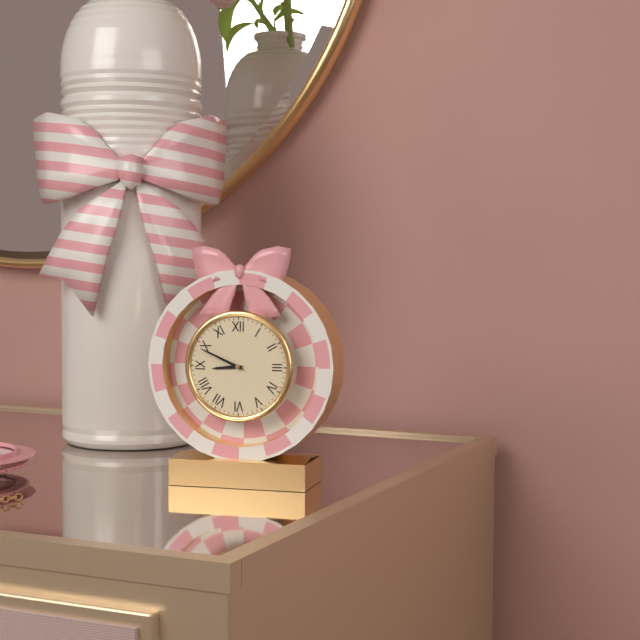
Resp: 8,49
